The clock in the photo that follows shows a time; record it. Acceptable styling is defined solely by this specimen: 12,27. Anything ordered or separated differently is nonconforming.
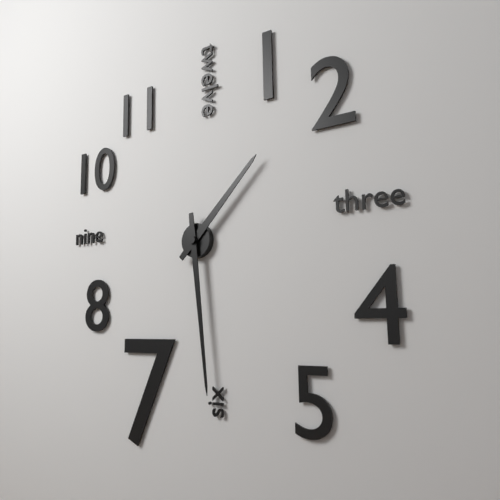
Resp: 1,29
